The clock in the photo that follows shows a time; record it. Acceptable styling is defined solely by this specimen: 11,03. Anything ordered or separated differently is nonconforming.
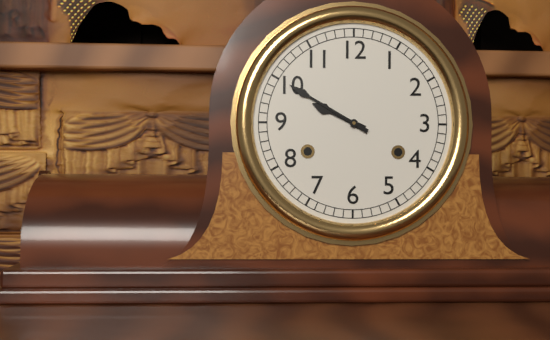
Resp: 9,50
